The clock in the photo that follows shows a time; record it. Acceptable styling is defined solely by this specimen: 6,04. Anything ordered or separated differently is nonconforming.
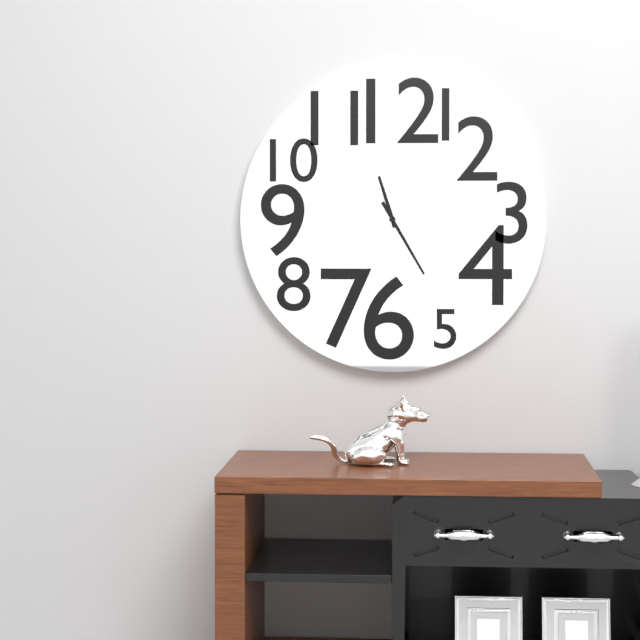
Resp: 11,25
